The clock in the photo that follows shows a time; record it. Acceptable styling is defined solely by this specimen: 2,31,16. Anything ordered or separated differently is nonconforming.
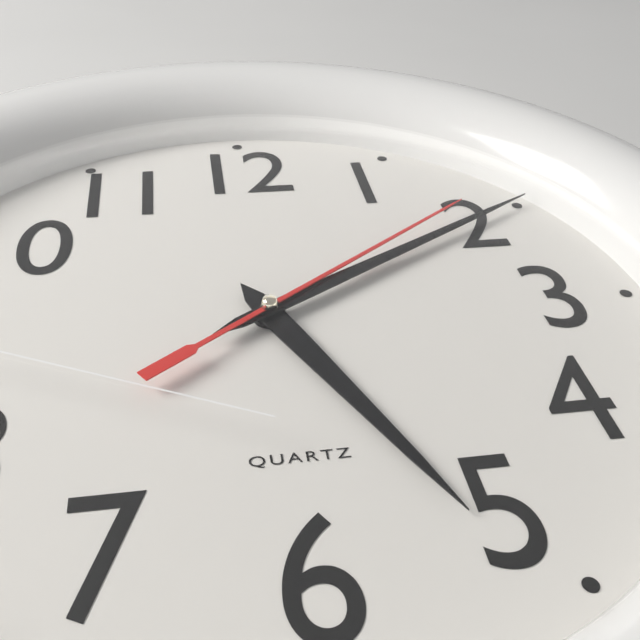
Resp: 5,10,09
